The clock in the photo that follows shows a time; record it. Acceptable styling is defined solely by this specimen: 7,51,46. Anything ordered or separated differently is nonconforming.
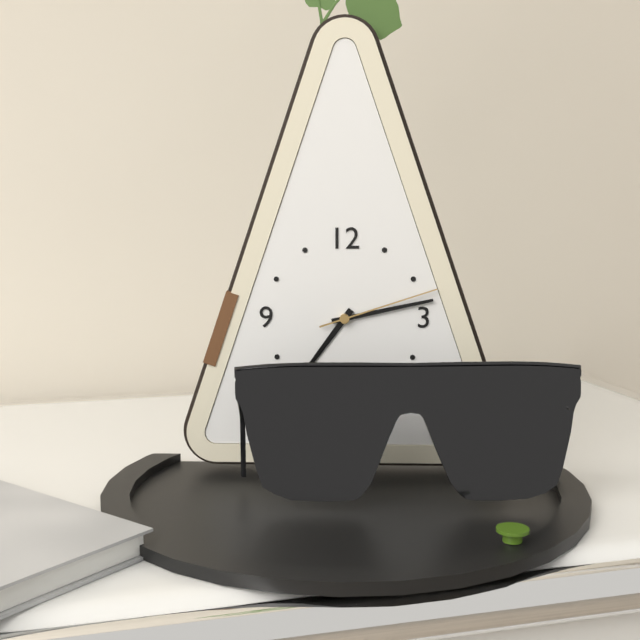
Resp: 7,13,12
